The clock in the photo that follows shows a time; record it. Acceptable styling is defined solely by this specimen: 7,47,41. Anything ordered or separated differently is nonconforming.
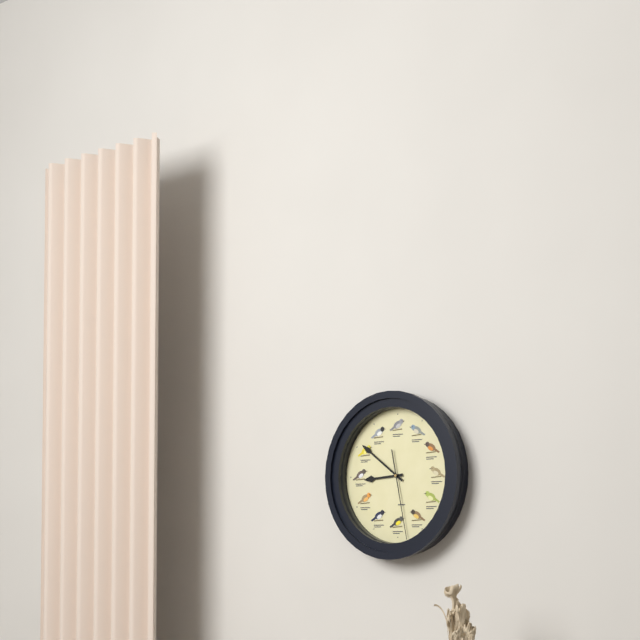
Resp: 8,51,28
